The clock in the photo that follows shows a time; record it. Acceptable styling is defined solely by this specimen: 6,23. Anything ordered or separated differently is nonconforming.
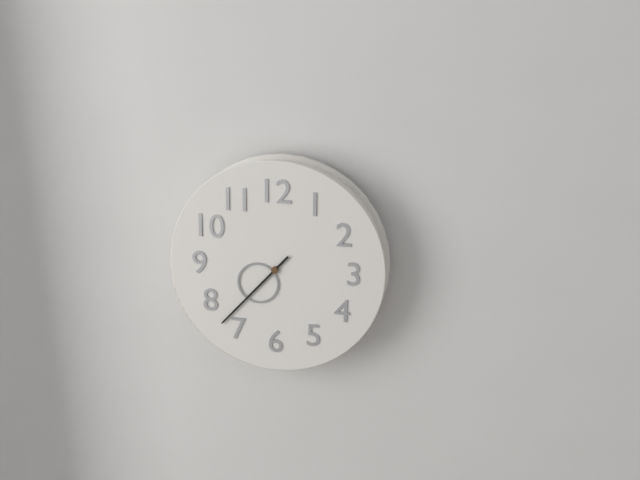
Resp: 7,37
